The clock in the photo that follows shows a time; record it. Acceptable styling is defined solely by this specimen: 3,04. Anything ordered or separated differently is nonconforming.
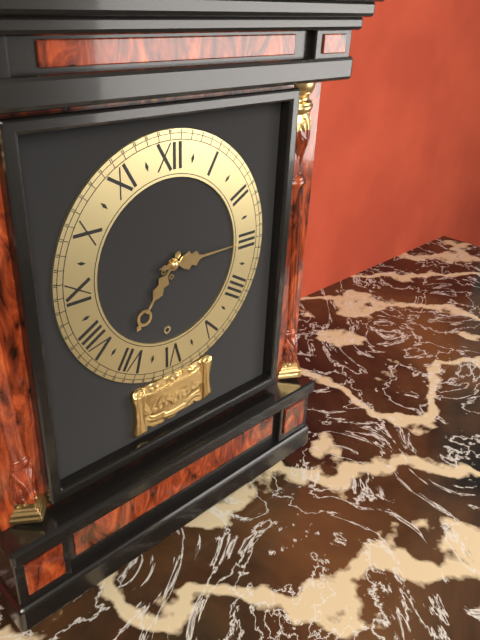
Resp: 7,15
